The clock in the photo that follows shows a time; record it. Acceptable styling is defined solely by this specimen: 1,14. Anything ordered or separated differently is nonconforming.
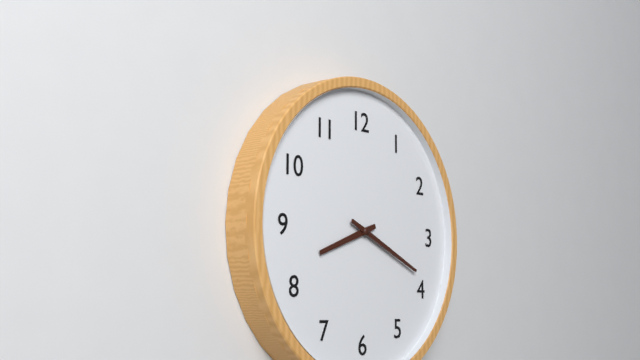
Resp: 8,19
